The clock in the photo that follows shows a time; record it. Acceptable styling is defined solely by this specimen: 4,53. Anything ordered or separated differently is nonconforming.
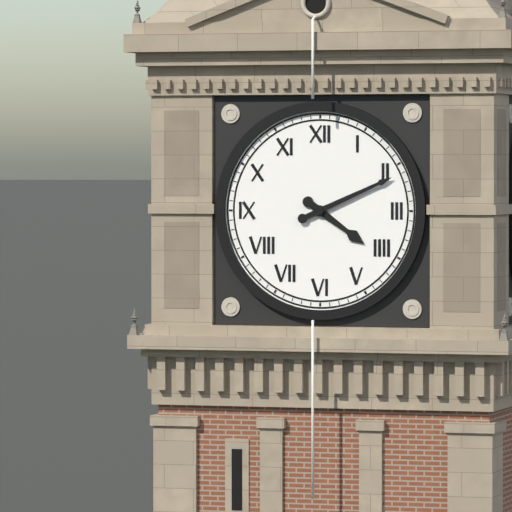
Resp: 4,11
